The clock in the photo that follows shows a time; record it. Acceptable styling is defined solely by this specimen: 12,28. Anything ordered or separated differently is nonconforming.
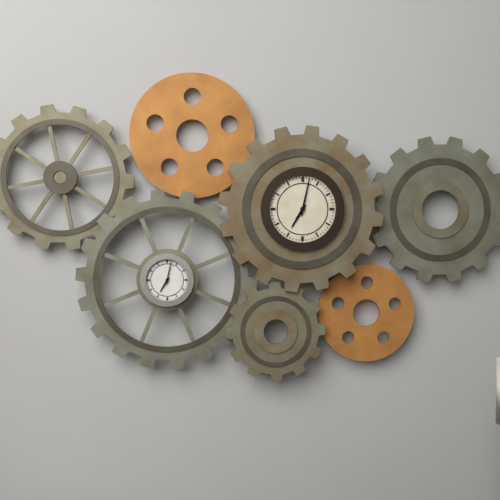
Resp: 7,02
